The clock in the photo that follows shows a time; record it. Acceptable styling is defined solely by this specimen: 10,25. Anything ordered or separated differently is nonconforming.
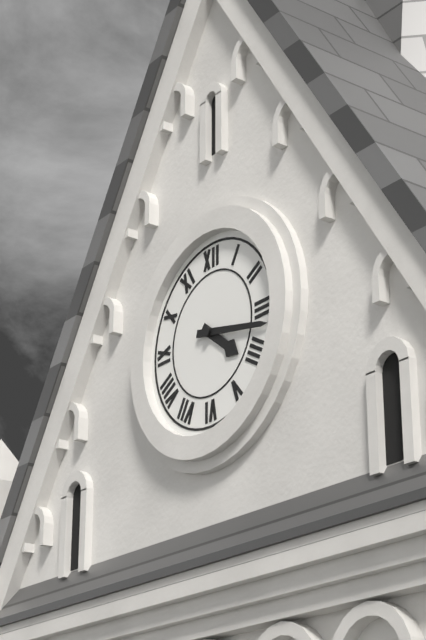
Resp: 4,17
